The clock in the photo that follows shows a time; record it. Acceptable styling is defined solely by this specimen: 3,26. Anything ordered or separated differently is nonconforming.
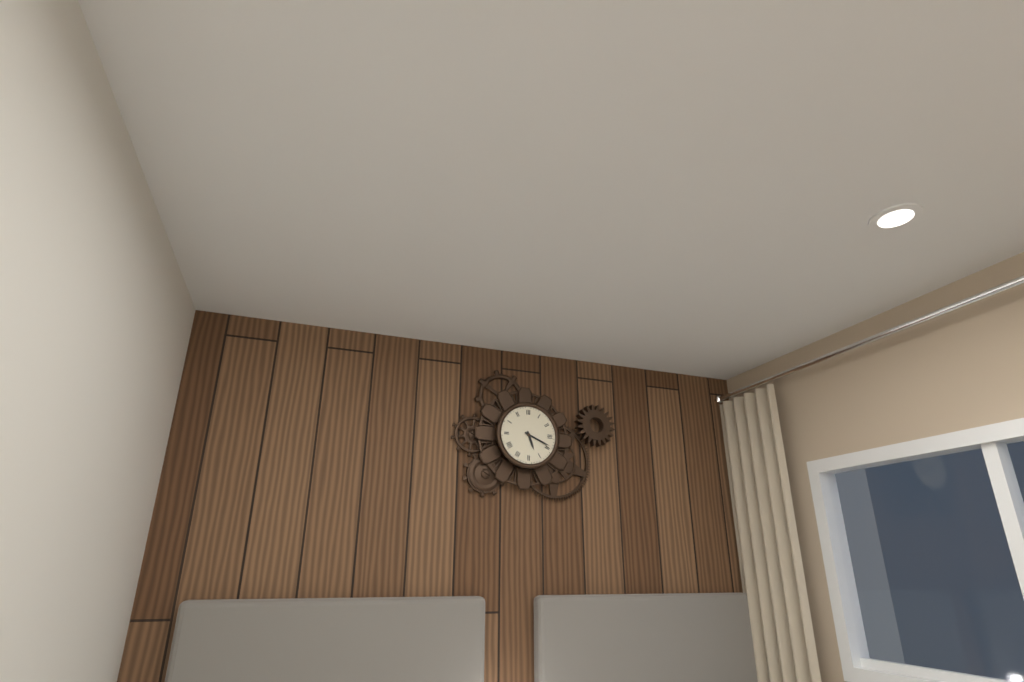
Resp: 5,19
